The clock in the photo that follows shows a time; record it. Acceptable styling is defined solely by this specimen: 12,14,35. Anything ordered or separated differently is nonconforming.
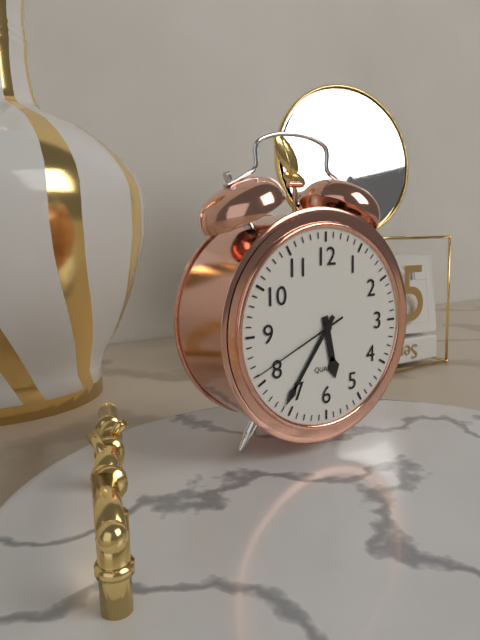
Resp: 5,36,41
